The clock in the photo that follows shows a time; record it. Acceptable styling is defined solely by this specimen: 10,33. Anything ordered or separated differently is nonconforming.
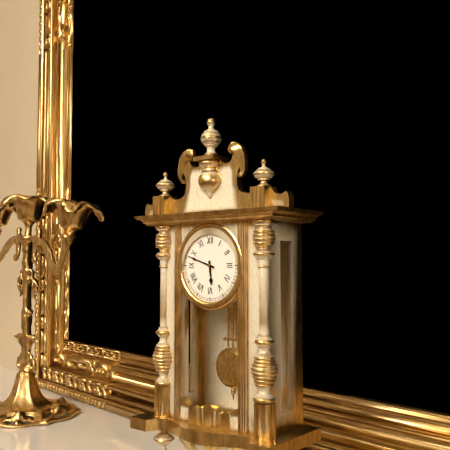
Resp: 5,48
